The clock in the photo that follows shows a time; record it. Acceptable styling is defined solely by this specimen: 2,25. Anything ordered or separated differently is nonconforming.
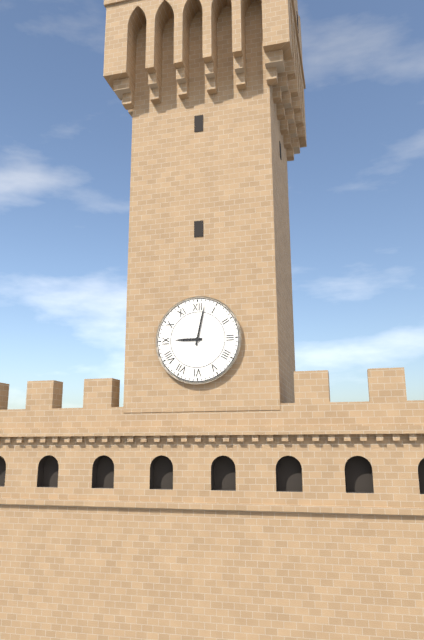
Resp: 9,02
